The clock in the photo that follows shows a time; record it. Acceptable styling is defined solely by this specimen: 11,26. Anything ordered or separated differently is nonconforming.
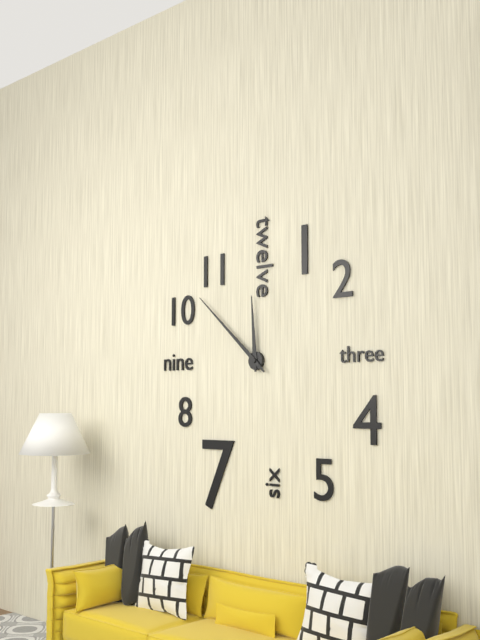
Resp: 11,52
